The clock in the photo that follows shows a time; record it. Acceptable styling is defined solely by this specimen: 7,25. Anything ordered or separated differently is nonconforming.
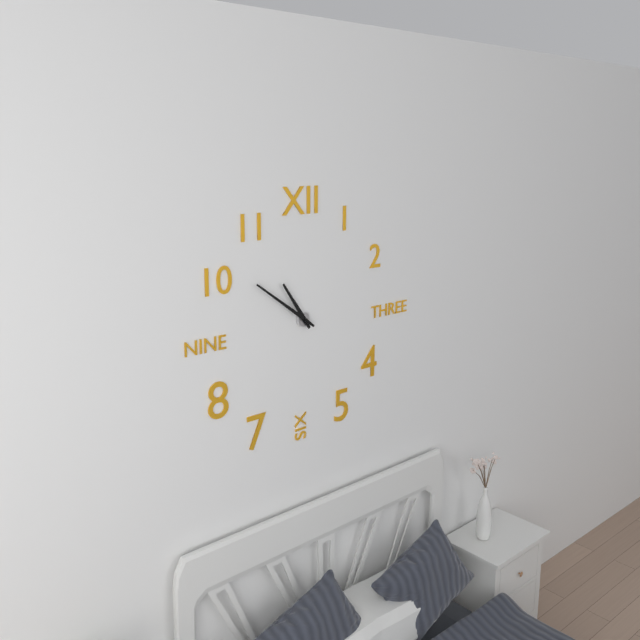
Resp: 10,51
